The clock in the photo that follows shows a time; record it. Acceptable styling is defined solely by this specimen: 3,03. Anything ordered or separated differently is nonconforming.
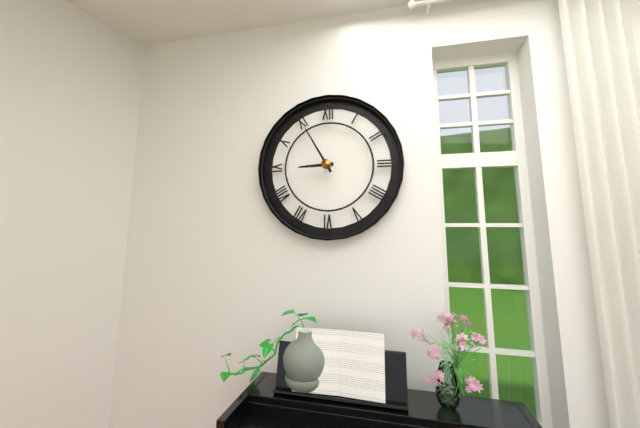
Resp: 8,55
